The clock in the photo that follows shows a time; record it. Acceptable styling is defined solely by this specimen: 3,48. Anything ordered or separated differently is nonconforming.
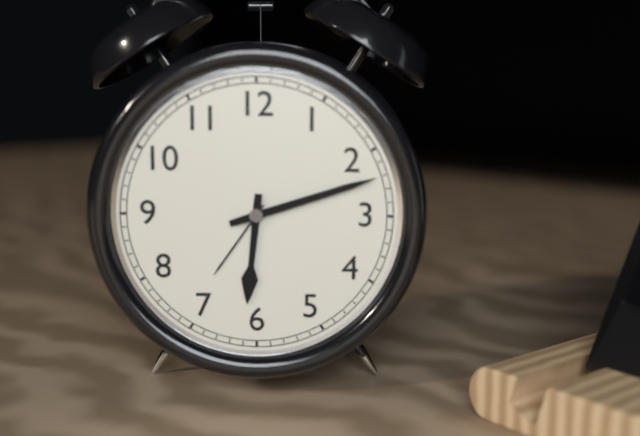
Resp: 6,12
